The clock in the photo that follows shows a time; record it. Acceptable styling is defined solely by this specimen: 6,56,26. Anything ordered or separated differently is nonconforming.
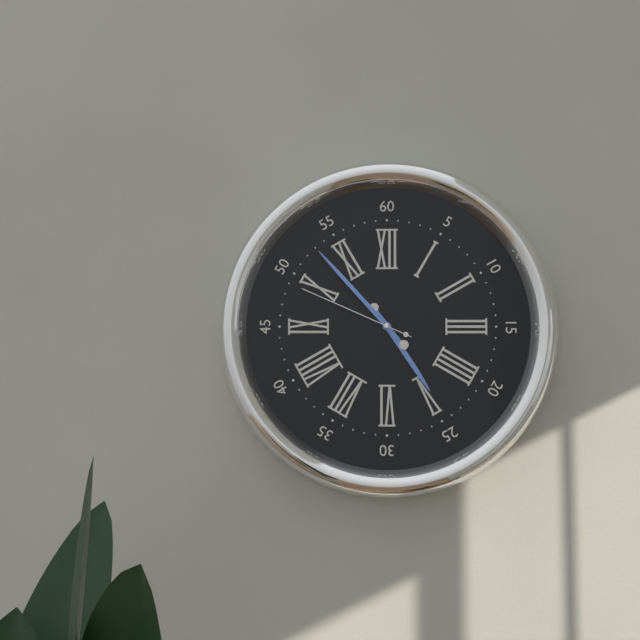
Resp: 4,53,49
